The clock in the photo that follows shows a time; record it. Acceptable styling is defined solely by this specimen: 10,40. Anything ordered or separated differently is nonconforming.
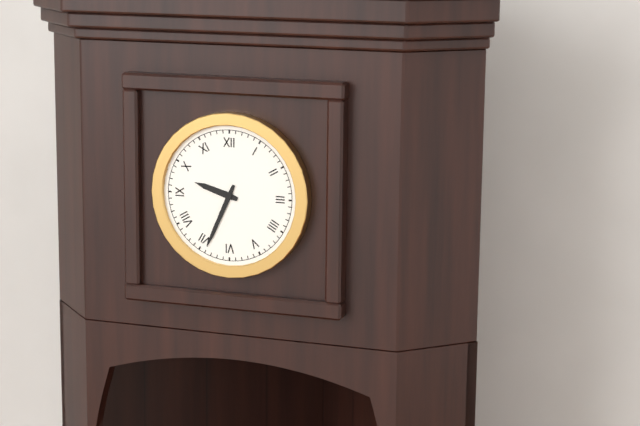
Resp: 9,34
